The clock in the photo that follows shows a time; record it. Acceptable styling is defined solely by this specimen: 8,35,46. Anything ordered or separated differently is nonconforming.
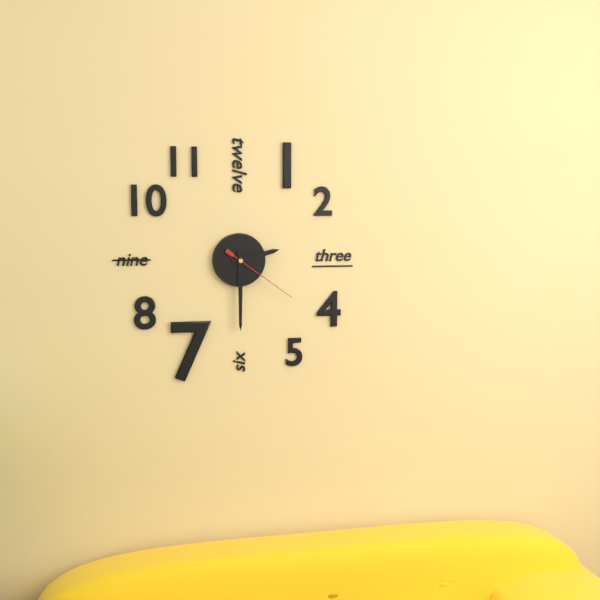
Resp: 2,30,21
